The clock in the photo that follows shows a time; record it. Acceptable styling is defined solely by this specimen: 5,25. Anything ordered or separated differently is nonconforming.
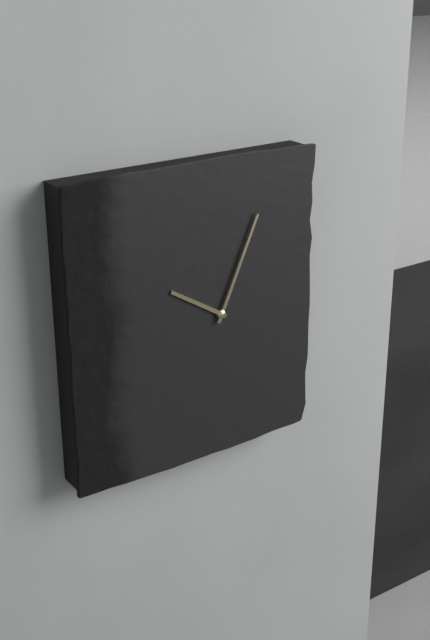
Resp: 10,04
